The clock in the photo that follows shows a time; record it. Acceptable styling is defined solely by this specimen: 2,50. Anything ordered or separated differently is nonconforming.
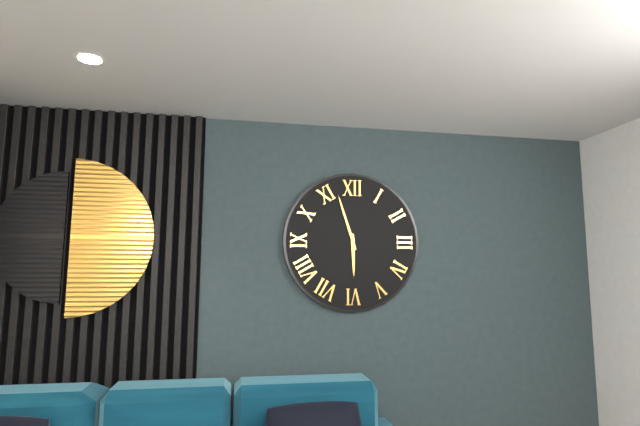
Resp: 5,57
